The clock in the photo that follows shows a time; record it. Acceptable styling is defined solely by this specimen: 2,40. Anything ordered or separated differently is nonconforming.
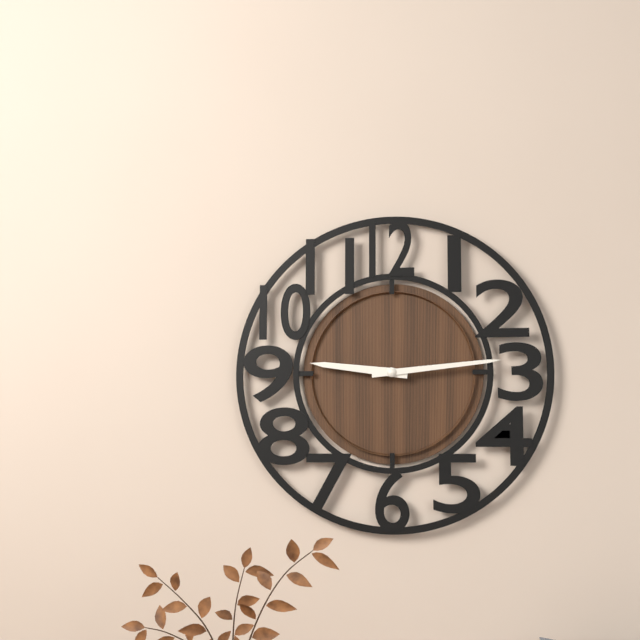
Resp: 9,14
